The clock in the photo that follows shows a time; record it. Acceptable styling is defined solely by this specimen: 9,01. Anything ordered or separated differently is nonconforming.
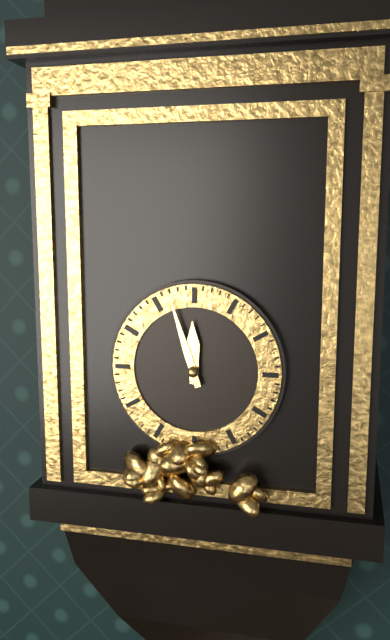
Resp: 11,57
